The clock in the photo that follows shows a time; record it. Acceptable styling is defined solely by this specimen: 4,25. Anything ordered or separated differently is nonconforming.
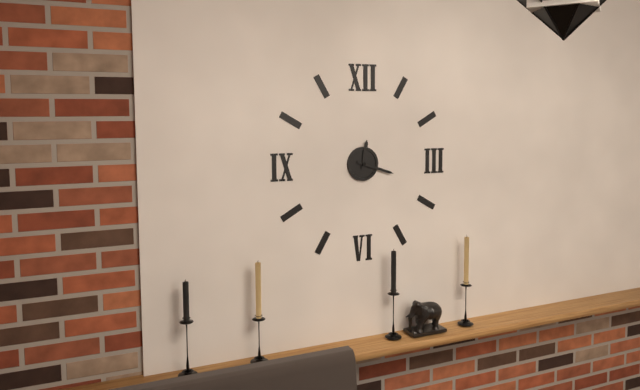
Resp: 12,18
